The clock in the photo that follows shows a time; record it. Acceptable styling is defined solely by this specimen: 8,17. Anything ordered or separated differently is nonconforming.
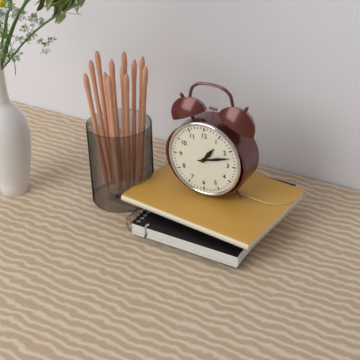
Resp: 1,12
